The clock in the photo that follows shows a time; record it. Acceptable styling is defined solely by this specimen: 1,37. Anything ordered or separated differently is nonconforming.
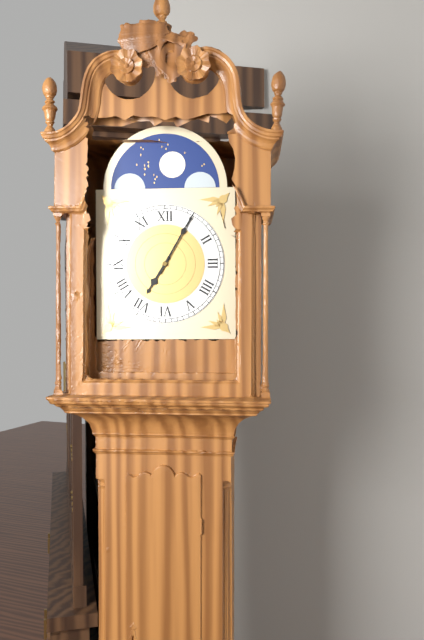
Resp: 7,05
